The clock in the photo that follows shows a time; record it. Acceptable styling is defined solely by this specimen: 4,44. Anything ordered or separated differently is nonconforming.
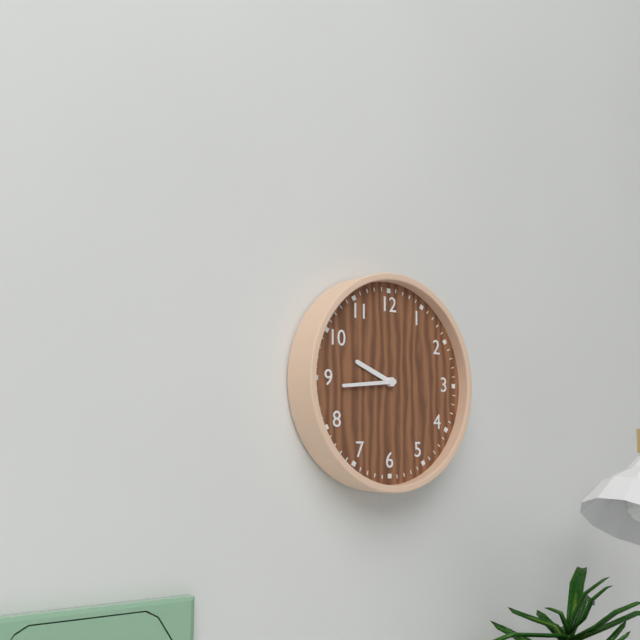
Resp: 9,44
